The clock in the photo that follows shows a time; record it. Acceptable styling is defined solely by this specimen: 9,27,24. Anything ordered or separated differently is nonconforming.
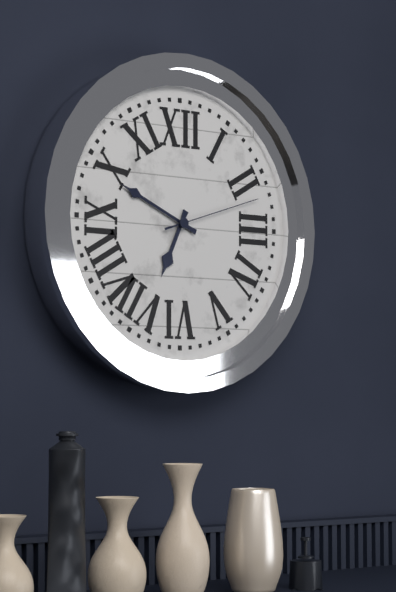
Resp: 6,49,12
